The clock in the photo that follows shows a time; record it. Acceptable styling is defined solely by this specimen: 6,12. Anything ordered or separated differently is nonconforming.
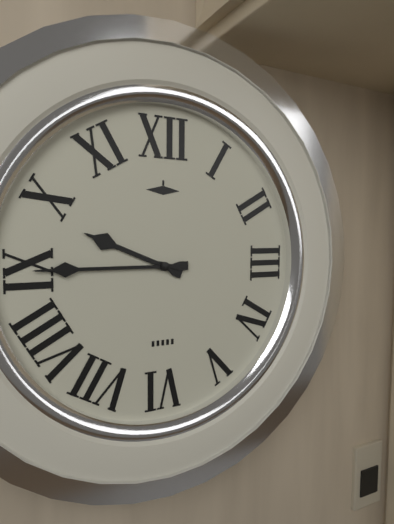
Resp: 9,45
